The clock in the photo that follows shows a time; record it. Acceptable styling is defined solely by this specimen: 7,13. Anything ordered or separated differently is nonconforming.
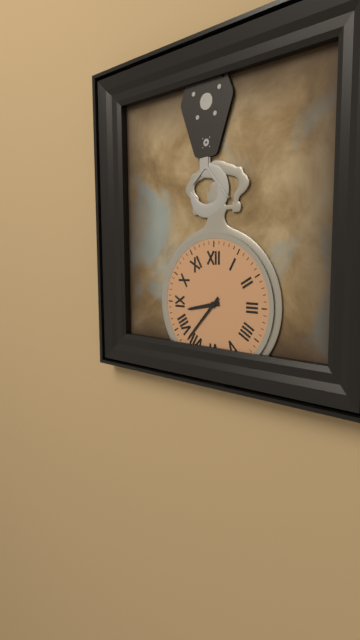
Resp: 8,37
